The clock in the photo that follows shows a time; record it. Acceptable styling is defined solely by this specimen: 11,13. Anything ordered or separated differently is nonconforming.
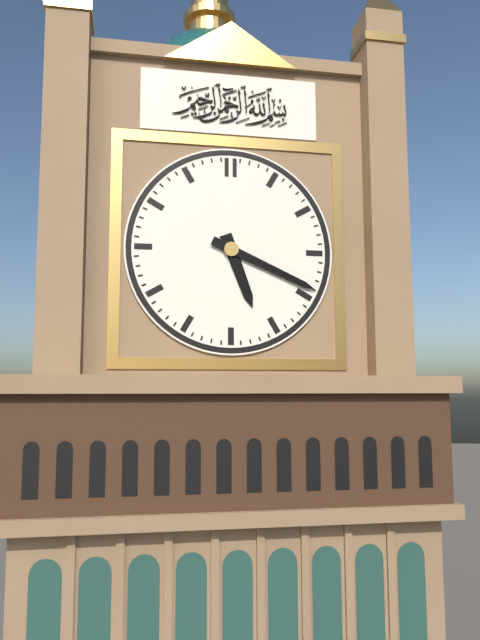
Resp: 5,19
